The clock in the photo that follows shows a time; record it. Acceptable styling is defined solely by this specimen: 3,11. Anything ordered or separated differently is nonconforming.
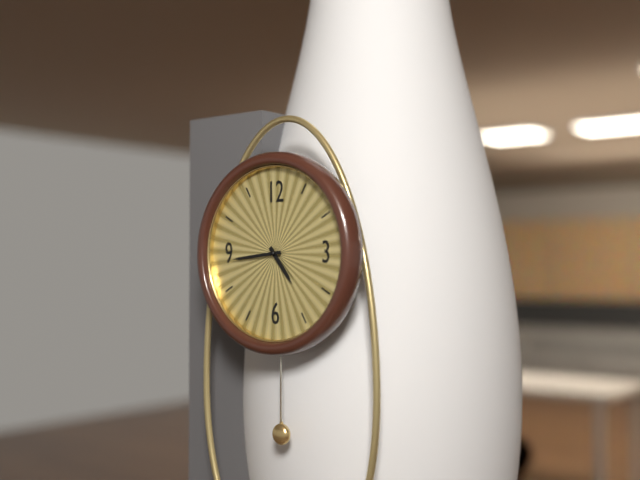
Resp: 4,44
